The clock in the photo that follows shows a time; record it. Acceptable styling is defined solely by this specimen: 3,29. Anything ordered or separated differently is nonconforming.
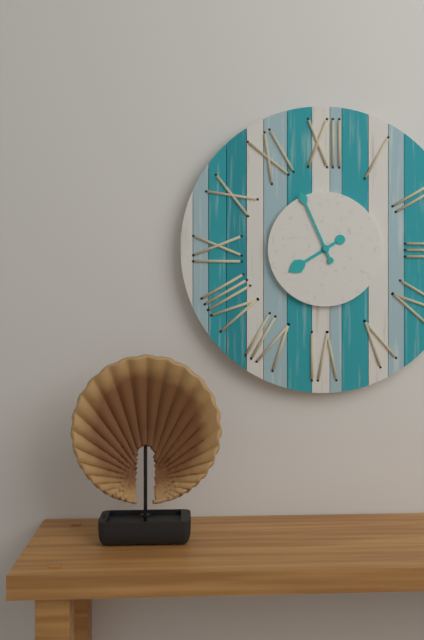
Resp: 7,56
